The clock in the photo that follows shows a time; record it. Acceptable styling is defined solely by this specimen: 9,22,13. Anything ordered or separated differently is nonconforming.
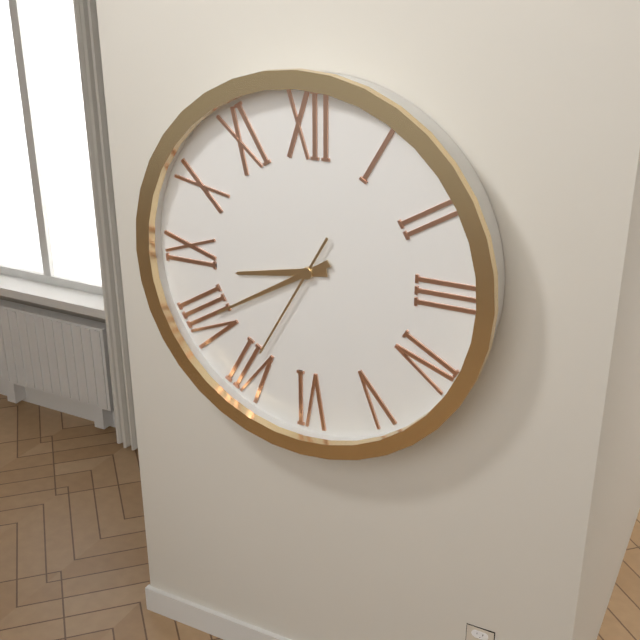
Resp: 8,40,35
